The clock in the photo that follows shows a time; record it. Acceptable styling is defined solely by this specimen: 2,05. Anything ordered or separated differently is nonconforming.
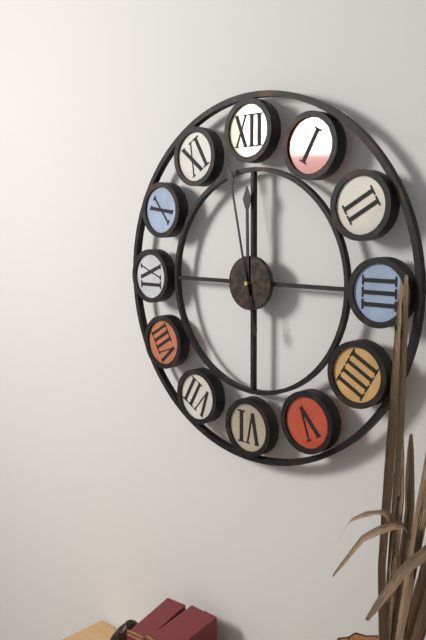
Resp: 11,58
